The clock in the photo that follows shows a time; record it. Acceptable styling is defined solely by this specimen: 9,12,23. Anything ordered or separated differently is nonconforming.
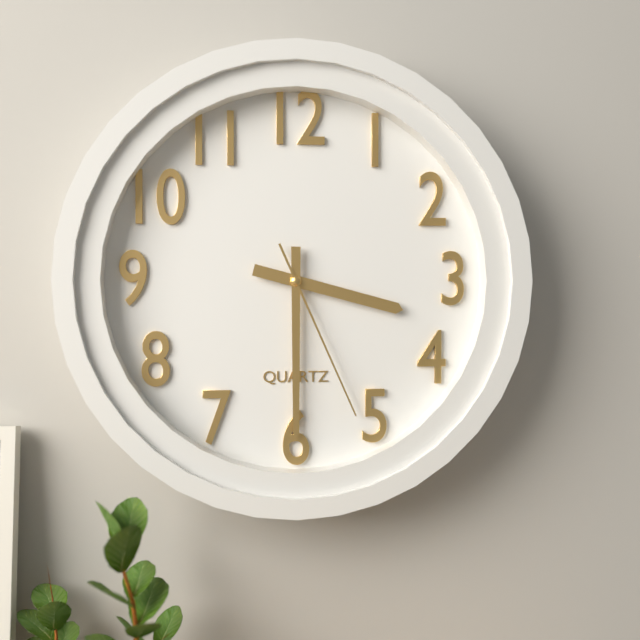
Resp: 3,30,26
